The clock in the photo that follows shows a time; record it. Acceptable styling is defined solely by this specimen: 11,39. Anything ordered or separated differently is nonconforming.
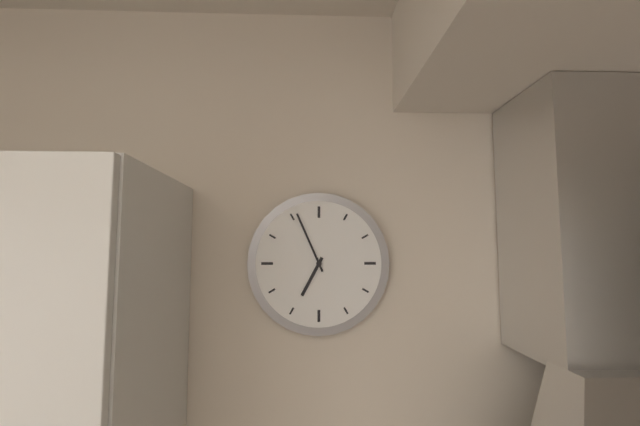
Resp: 6,56
